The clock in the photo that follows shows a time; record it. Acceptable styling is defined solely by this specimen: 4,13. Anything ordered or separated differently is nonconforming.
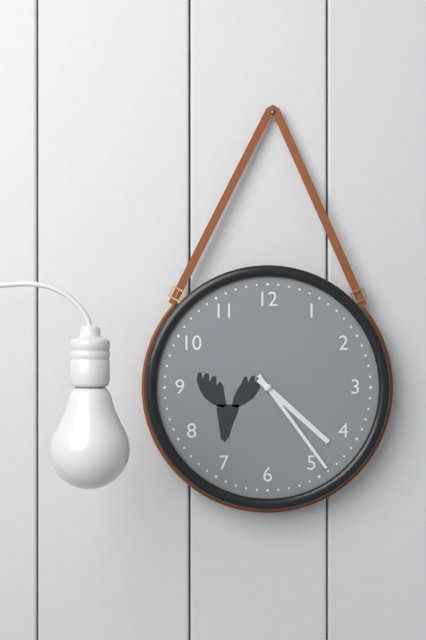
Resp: 4,24
